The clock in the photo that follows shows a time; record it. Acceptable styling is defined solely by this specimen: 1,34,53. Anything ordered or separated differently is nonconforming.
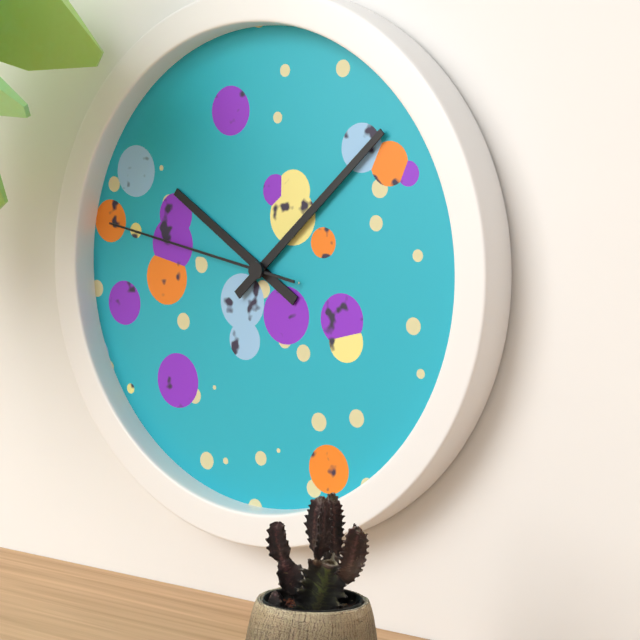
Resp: 10,08,47
